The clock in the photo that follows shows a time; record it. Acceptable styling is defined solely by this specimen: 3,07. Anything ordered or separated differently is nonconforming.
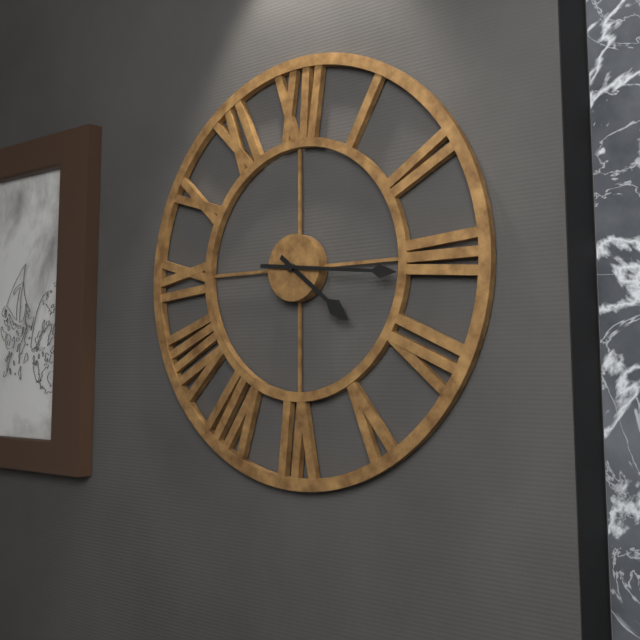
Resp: 4,16
